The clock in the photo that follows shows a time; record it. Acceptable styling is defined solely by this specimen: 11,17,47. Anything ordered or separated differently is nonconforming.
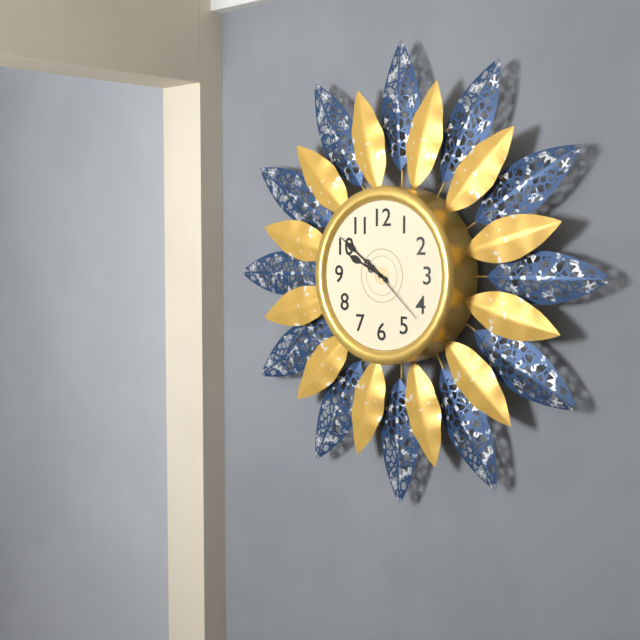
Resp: 9,51,22
